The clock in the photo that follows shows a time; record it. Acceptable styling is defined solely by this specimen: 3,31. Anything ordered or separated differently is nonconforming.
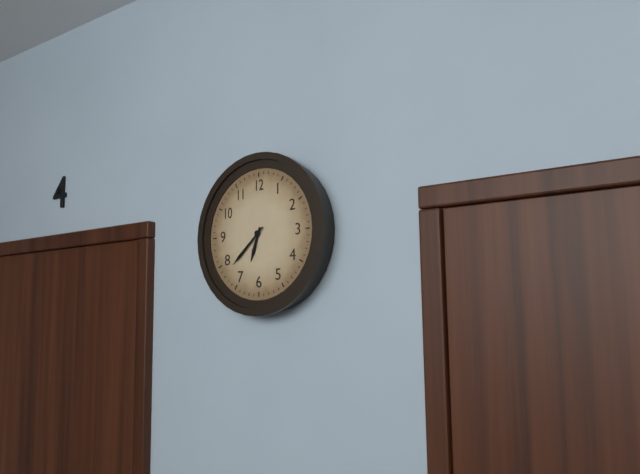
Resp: 6,38
